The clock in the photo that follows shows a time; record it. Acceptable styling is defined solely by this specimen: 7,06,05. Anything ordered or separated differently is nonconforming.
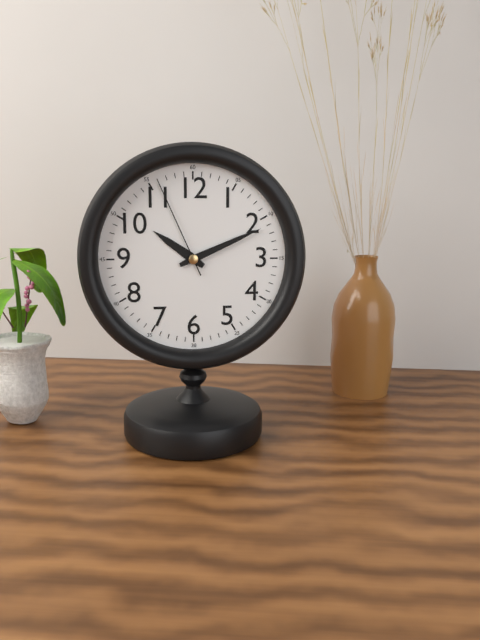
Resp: 10,11,56
